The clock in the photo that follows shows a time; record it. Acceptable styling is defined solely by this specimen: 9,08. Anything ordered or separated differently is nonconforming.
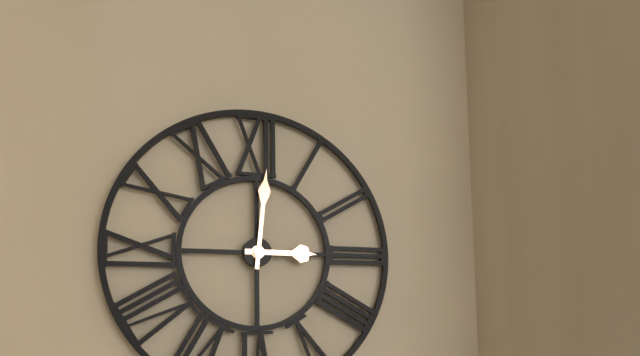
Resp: 3,01
